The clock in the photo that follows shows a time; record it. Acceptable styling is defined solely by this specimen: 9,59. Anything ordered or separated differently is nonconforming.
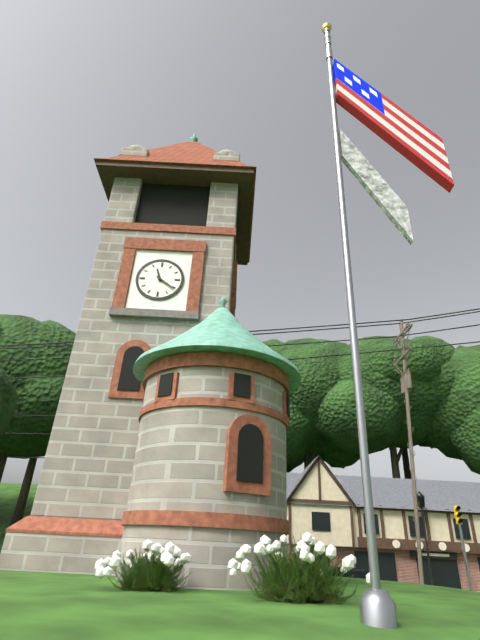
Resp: 11,21
